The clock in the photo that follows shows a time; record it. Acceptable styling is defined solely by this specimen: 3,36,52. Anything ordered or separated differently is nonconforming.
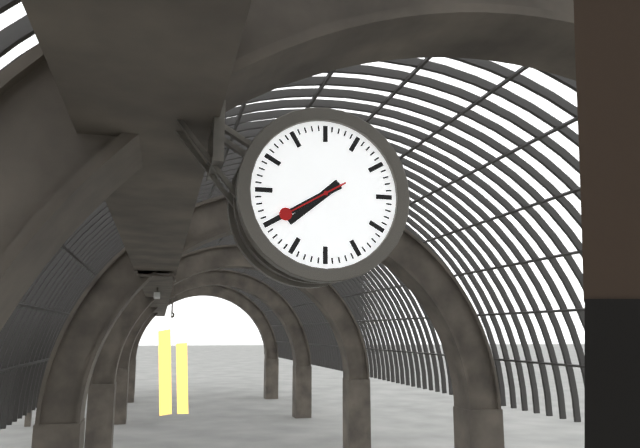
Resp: 7,40,40
